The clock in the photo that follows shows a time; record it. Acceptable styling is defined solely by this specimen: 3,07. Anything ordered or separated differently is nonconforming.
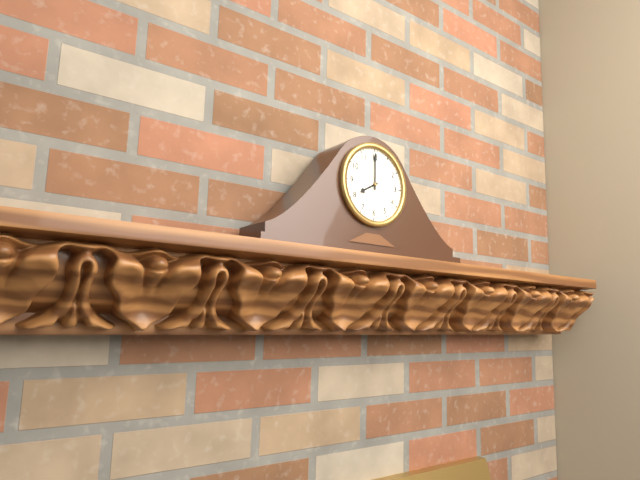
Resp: 8,00
